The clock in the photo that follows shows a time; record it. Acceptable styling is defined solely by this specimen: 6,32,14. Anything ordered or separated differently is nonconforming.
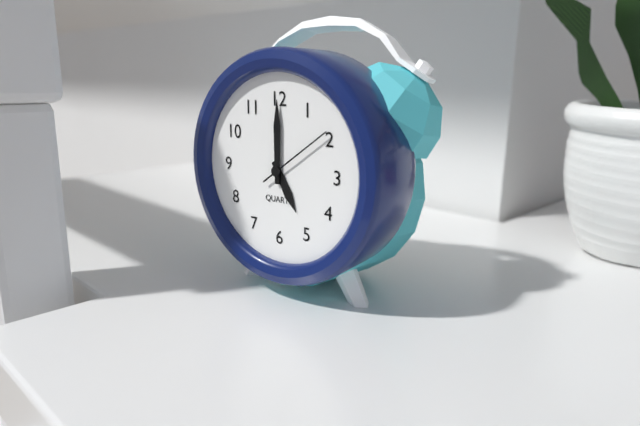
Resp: 5,00,09
